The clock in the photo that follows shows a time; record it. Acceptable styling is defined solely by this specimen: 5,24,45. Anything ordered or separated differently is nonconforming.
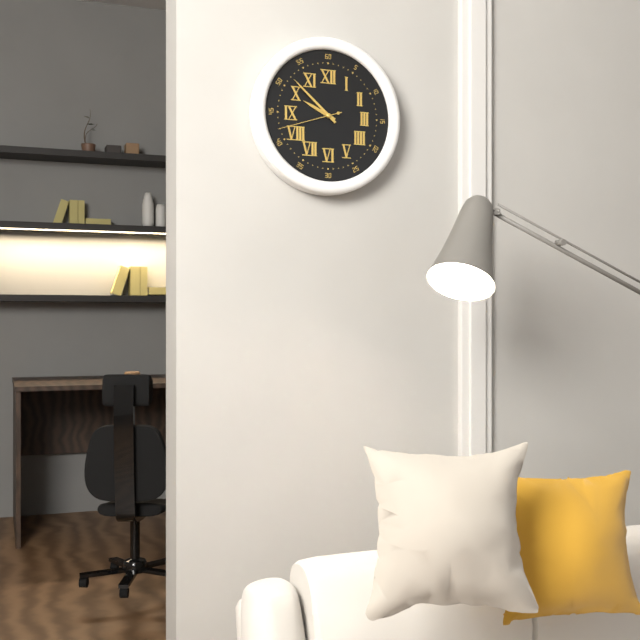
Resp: 9,52,42
